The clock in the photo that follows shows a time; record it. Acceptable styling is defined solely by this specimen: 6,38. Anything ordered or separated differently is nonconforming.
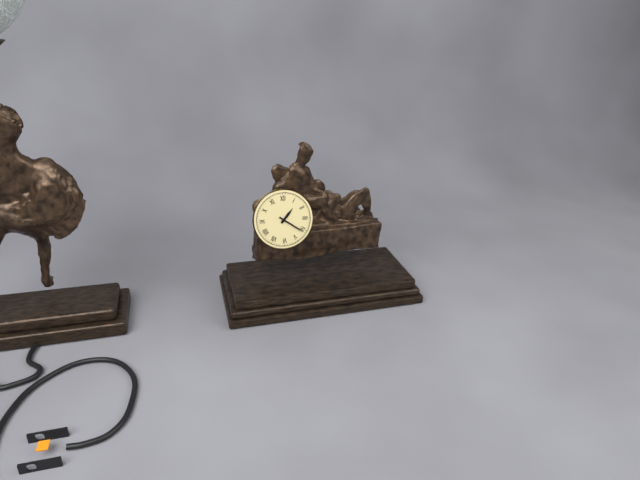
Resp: 1,21
